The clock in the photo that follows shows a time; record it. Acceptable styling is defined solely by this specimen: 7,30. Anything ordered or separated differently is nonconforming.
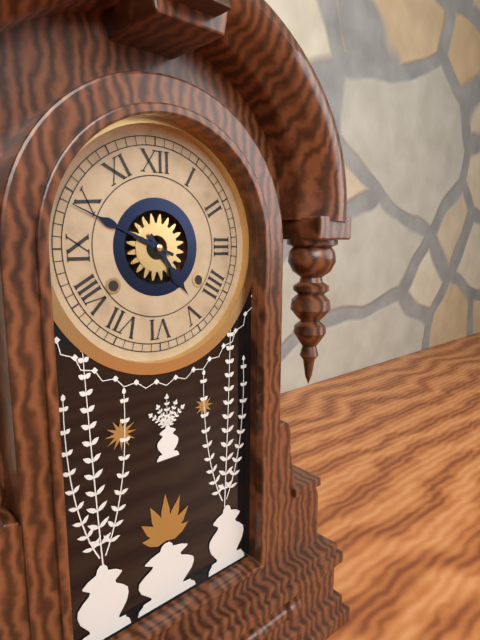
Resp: 4,49
